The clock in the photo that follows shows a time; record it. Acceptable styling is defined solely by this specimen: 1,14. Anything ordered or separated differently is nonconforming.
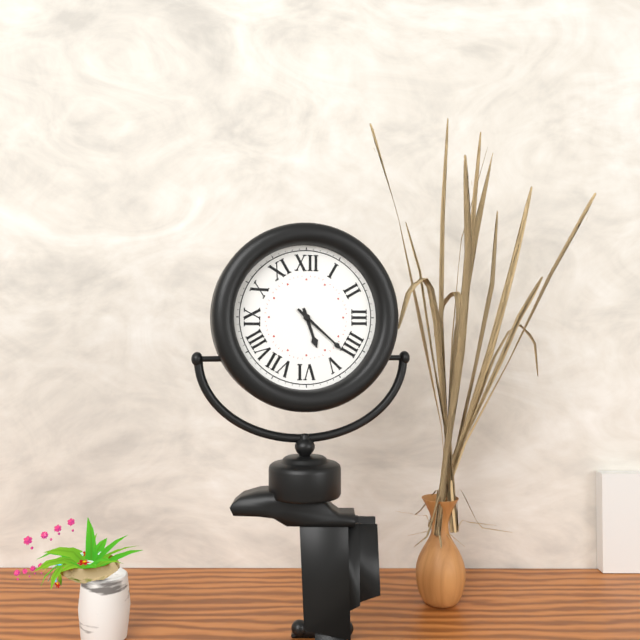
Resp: 5,22
